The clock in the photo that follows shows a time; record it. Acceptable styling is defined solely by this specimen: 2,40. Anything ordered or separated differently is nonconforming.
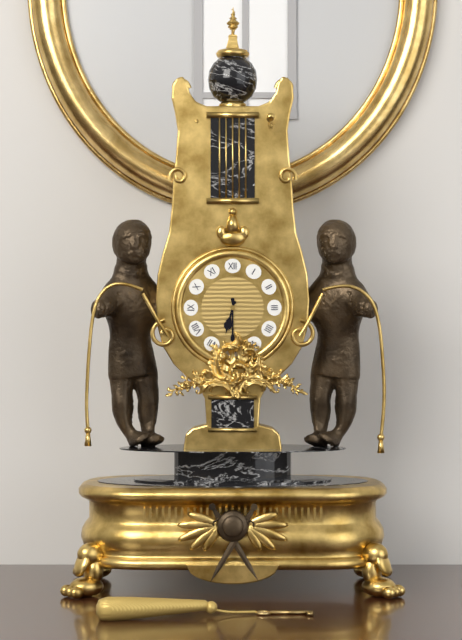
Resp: 6,30
